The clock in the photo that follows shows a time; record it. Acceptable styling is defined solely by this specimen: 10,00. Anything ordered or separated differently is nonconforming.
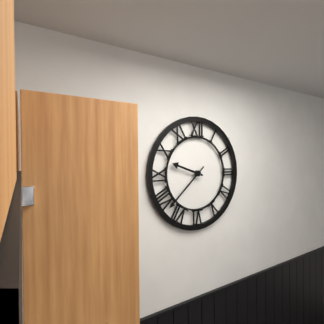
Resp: 9,38
